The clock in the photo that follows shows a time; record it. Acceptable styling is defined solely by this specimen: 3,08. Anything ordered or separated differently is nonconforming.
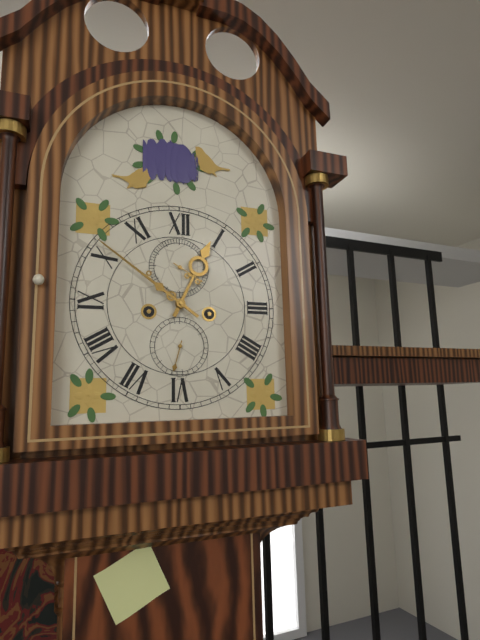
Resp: 12,51
